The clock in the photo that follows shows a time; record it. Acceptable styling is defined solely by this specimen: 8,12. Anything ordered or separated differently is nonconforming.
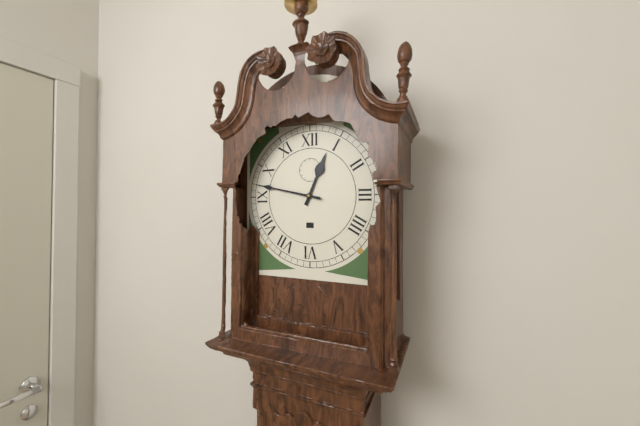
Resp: 12,47
